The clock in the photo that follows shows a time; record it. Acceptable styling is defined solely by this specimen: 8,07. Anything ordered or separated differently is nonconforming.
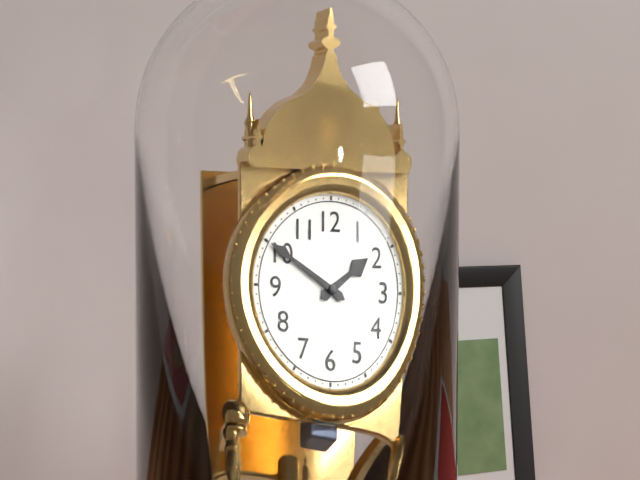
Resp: 1,50
